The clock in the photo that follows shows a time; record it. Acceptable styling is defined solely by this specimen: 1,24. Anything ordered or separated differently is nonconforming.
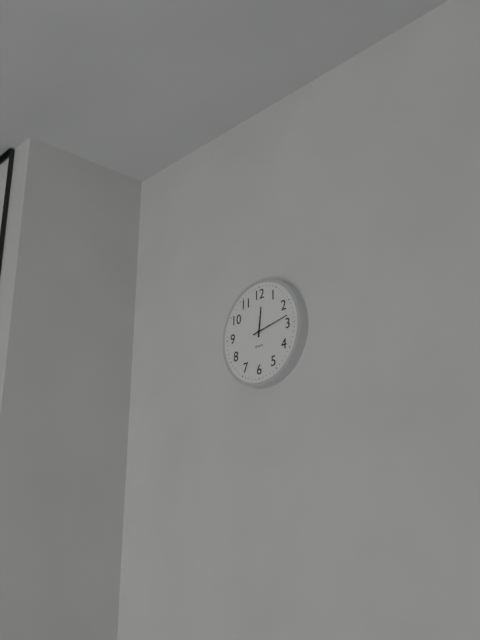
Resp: 12,13
